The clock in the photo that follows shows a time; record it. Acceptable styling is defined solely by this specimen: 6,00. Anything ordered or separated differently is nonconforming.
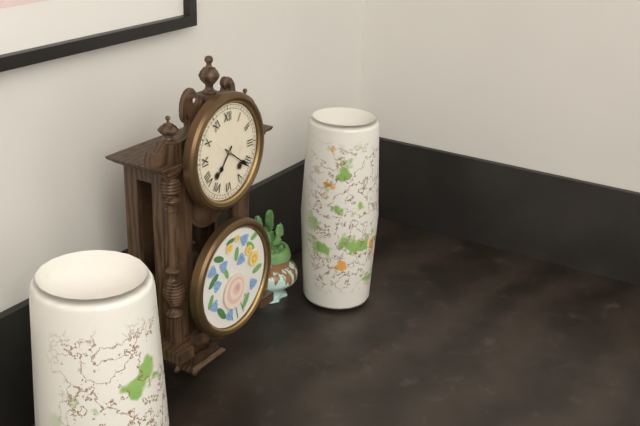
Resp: 7,21
